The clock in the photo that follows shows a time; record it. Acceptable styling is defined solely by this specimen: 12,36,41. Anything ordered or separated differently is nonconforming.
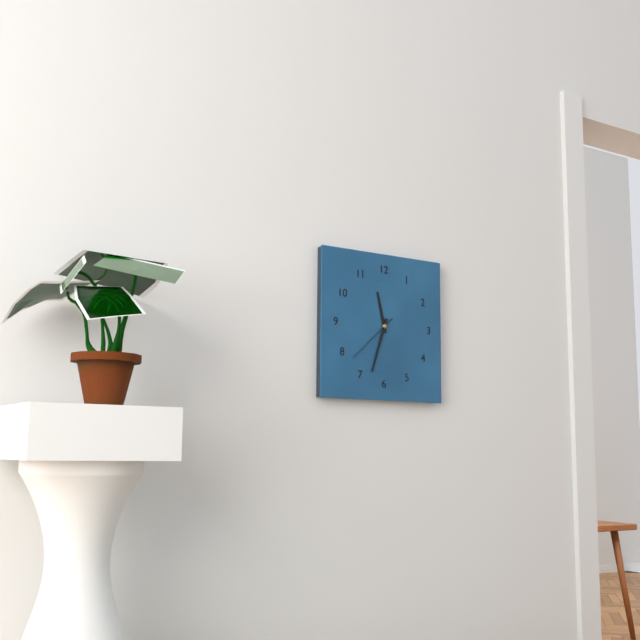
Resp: 11,33,38
